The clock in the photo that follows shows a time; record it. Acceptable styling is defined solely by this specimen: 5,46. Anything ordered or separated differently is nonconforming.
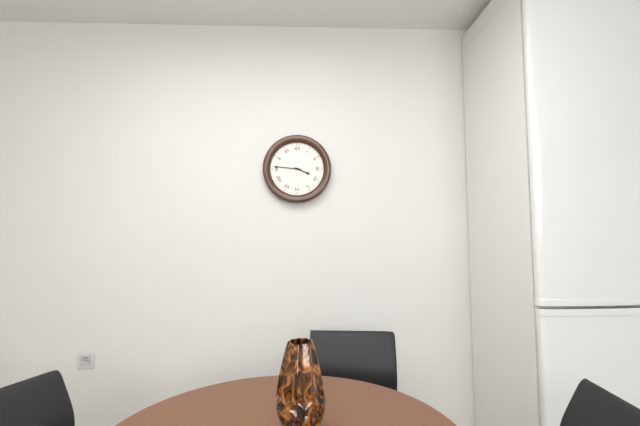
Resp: 3,46
